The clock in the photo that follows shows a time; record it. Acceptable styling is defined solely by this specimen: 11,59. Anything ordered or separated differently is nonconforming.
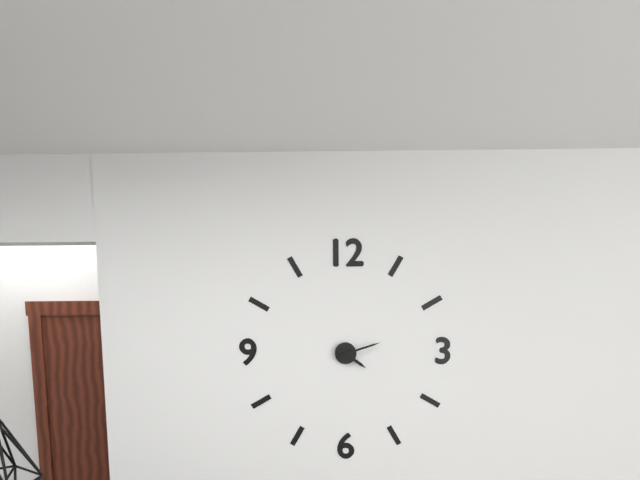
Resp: 4,12
